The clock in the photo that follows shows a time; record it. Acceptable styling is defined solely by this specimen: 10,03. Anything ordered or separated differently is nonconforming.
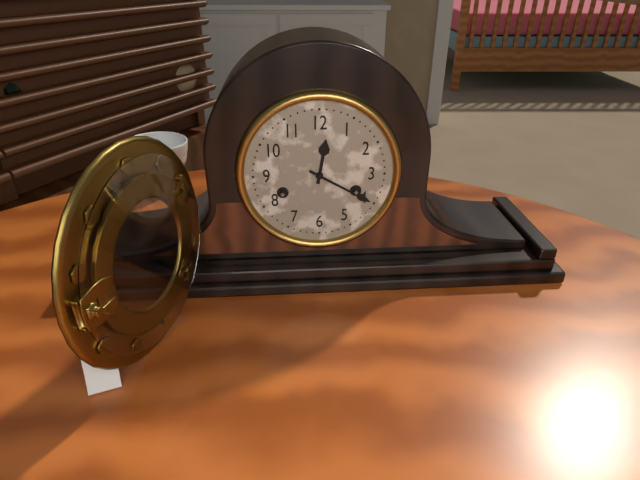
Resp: 12,20
